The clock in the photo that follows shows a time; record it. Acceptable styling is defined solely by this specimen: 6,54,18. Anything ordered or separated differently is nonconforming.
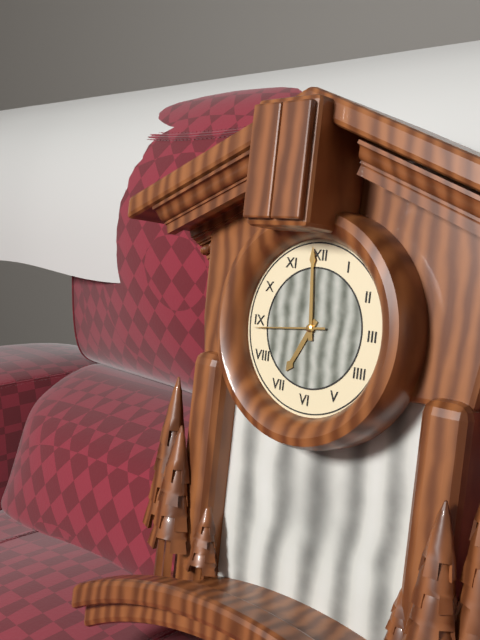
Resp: 6,59,44
